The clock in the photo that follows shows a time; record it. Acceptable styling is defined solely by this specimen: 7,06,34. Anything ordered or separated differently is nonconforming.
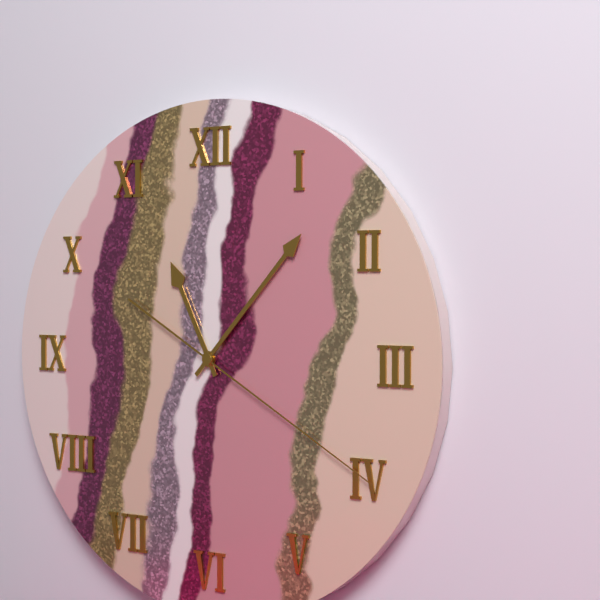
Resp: 11,07,20
